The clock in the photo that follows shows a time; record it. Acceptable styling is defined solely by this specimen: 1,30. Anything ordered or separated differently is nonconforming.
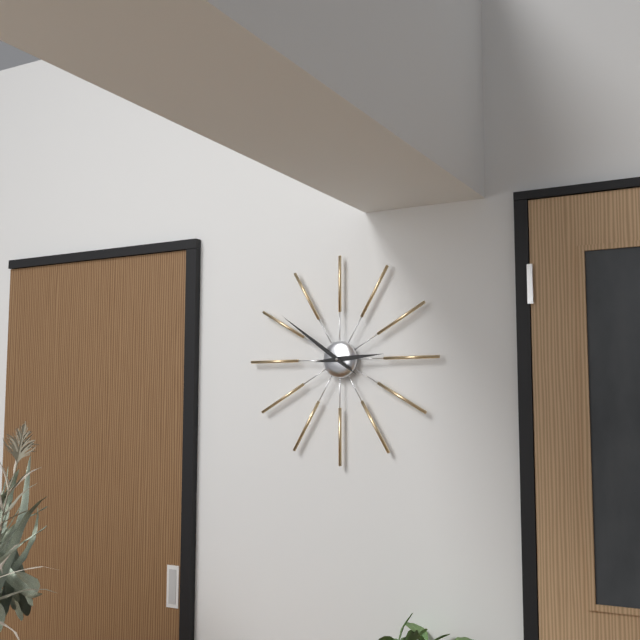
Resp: 2,51
